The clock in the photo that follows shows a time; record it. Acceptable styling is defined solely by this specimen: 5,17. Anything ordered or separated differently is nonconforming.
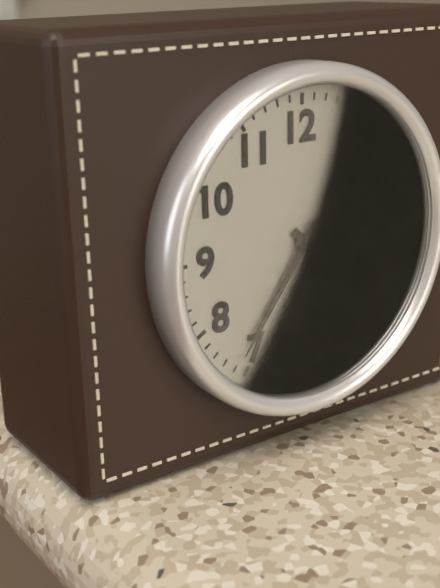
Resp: 4,36
